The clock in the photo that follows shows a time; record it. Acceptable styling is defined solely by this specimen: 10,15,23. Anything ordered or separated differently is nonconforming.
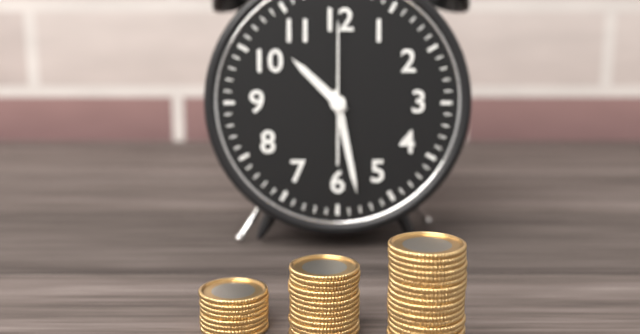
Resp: 10,28,00
